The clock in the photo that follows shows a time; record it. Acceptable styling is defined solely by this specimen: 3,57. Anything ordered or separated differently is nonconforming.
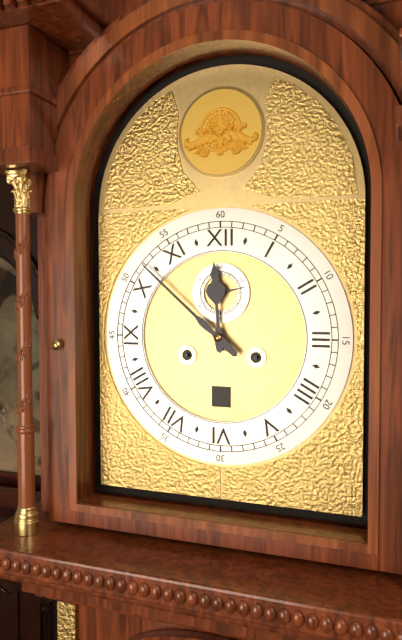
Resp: 11,52
